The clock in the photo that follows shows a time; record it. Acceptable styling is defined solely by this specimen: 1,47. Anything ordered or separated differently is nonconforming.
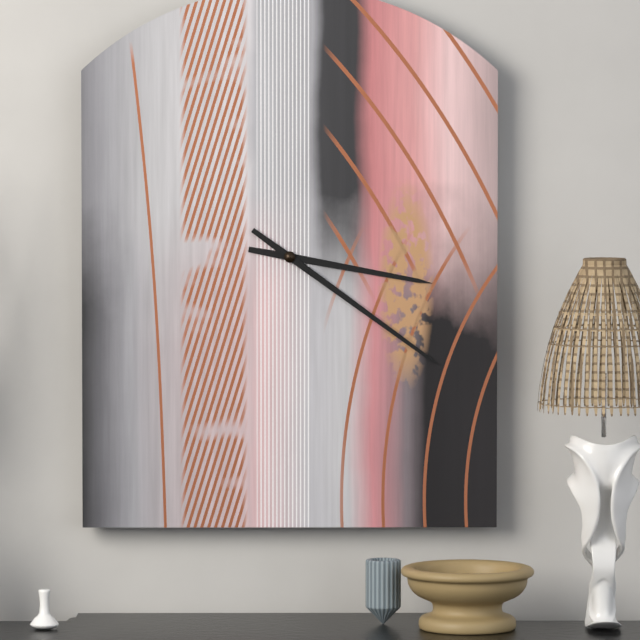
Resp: 3,21
